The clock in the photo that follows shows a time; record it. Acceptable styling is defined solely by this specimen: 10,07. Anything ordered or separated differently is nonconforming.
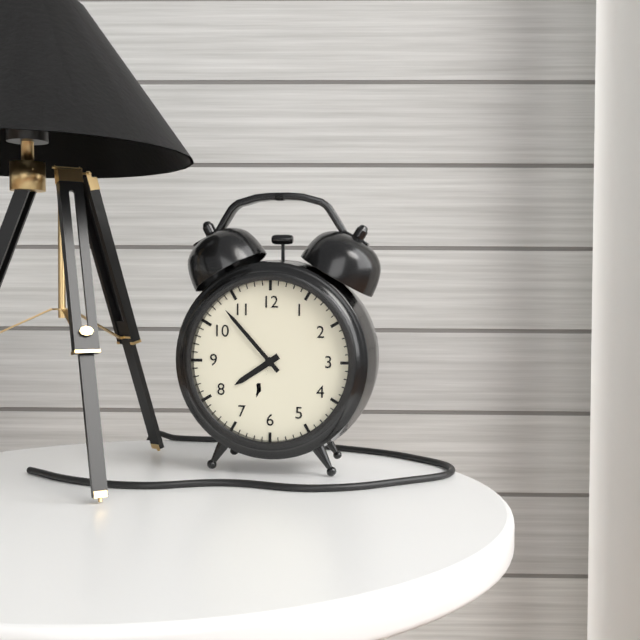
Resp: 7,53
